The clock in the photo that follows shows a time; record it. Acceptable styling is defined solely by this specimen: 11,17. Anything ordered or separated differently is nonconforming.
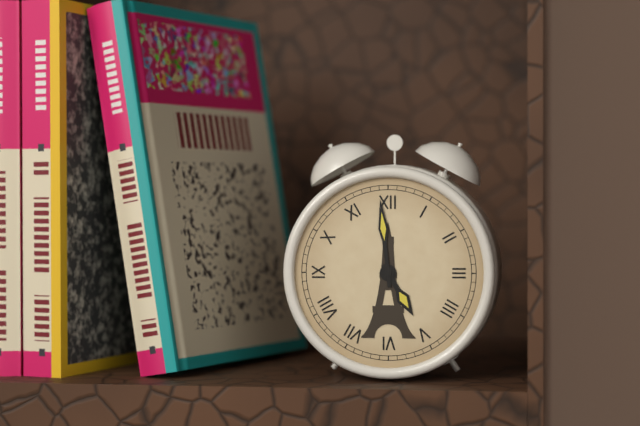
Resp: 4,59
